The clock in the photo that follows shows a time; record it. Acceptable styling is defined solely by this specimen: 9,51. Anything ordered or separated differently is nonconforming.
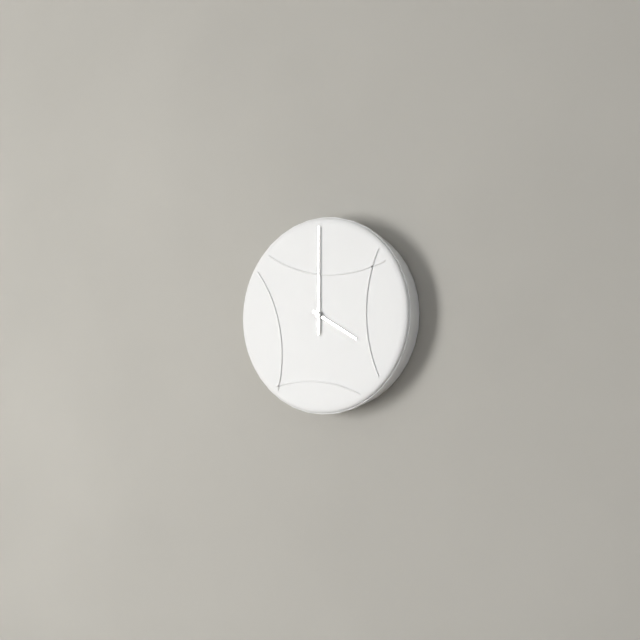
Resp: 4,00
